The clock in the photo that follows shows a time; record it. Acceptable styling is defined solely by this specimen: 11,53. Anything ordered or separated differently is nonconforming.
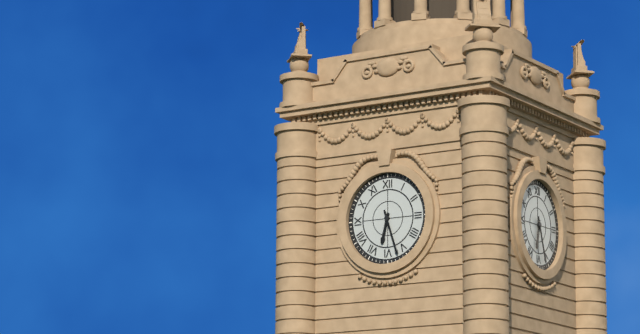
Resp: 6,27
